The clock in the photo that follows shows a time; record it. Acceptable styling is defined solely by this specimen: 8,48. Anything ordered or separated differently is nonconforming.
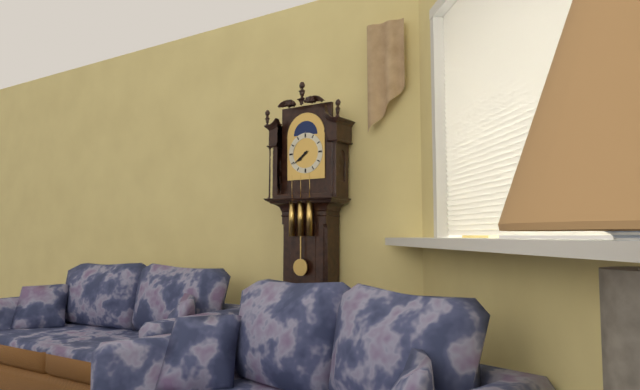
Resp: 7,39
